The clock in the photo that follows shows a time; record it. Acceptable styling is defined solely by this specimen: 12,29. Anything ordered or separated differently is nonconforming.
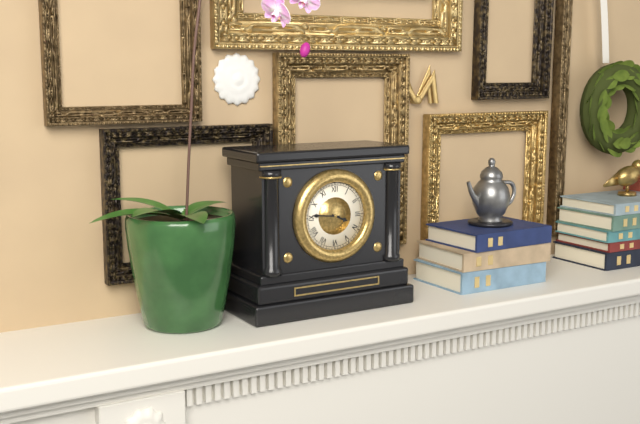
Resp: 3,46
